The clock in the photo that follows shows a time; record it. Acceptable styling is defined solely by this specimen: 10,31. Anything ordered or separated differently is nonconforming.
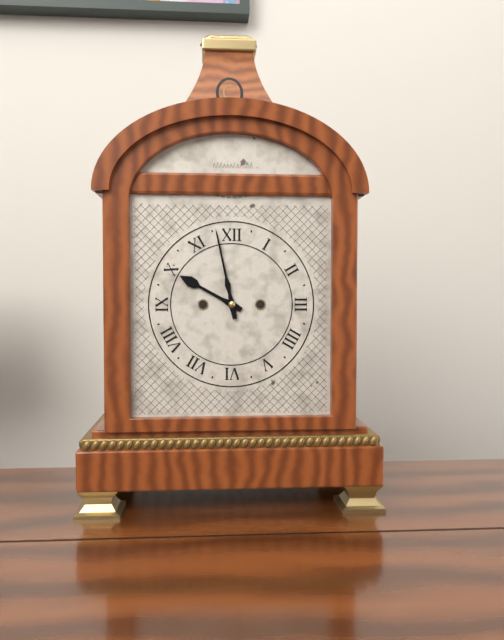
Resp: 9,58
